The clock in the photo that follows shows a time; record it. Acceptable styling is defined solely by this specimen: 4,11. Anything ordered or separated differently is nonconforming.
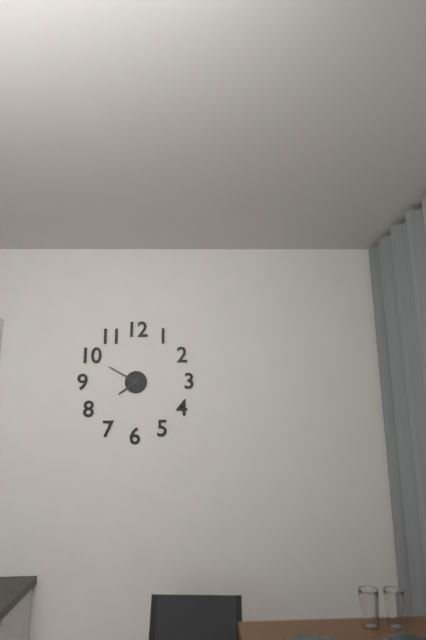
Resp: 7,50
